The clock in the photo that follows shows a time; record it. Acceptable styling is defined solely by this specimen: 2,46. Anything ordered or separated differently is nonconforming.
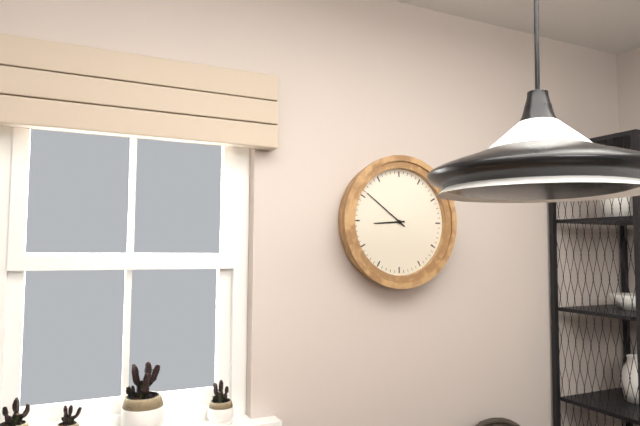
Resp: 8,51
